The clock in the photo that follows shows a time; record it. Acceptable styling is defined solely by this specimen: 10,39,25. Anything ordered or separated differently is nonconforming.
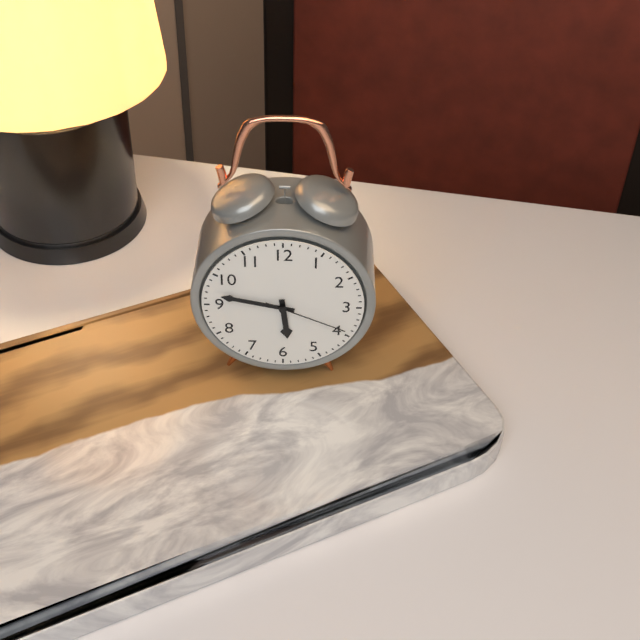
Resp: 5,47,19
